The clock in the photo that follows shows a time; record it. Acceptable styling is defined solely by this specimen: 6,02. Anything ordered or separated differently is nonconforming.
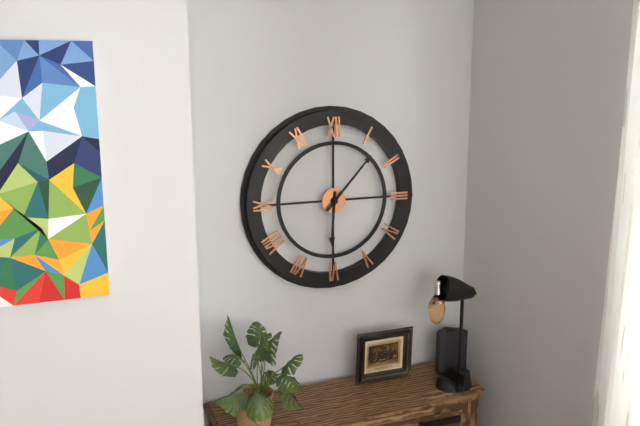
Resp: 6,07
